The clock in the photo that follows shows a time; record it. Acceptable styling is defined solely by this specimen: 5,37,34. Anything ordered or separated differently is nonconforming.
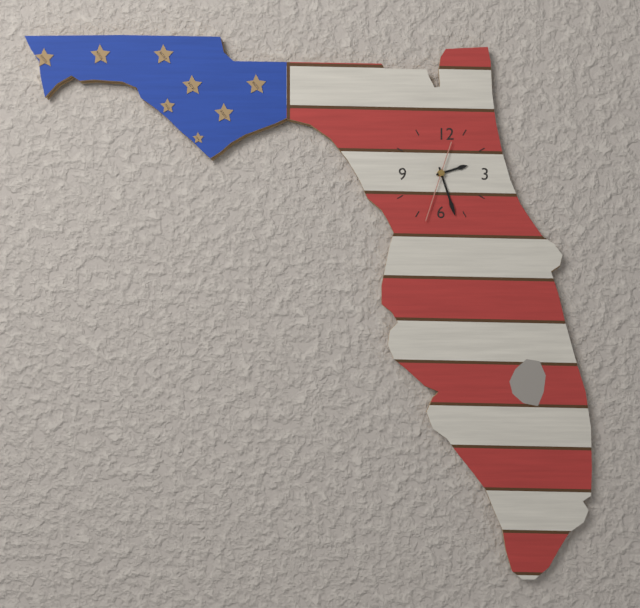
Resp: 2,27,33
